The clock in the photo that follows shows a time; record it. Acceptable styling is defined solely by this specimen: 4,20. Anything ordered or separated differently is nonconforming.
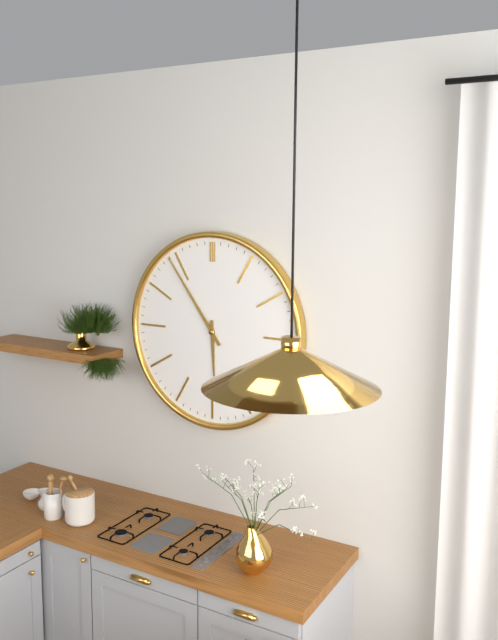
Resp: 5,54
